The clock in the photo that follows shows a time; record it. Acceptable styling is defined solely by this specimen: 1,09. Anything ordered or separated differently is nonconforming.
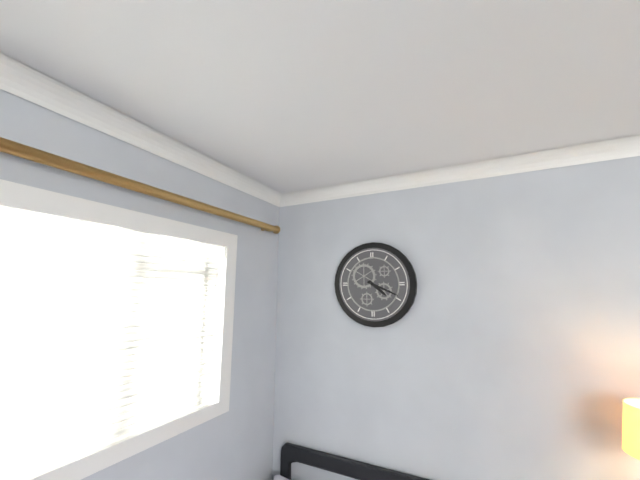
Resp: 4,19
